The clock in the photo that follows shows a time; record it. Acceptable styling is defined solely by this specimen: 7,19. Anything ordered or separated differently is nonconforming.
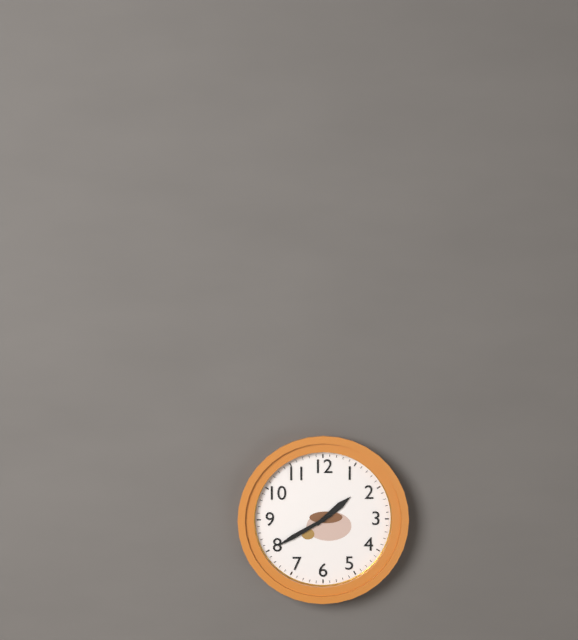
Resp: 1,40
